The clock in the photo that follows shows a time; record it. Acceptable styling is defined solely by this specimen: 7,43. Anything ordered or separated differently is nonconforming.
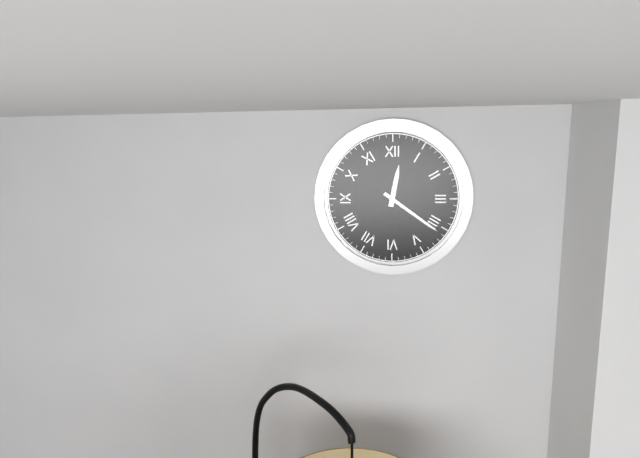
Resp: 12,21
